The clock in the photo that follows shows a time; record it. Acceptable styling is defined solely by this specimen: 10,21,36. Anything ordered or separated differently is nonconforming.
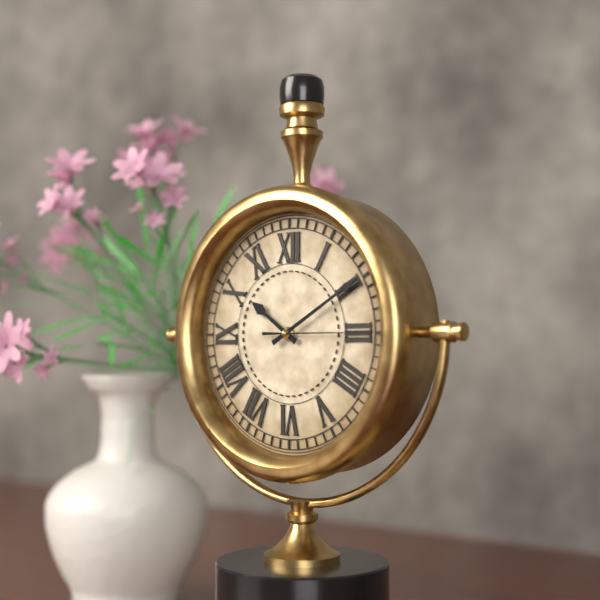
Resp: 10,10,15
